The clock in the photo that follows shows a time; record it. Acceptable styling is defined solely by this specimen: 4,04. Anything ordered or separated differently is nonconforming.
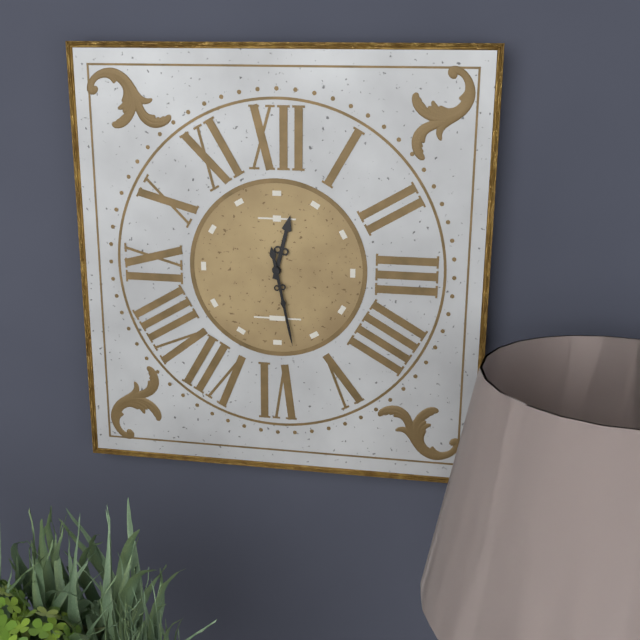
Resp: 12,28
